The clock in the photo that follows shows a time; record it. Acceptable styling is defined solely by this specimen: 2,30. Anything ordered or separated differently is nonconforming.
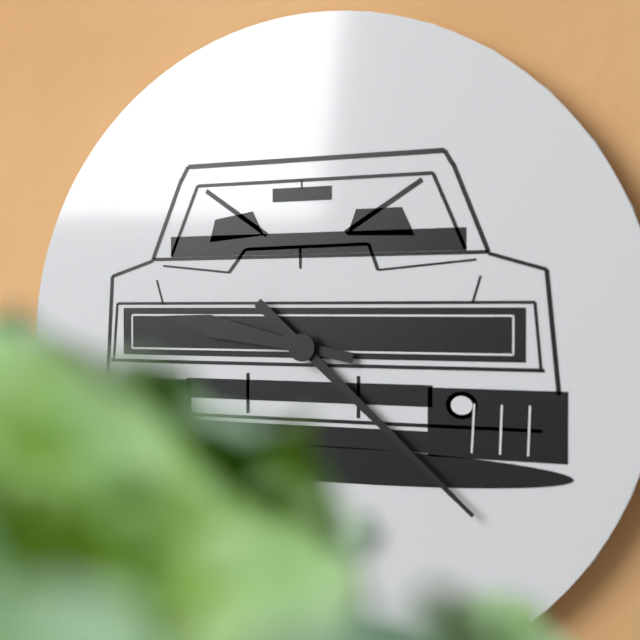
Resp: 9,22
